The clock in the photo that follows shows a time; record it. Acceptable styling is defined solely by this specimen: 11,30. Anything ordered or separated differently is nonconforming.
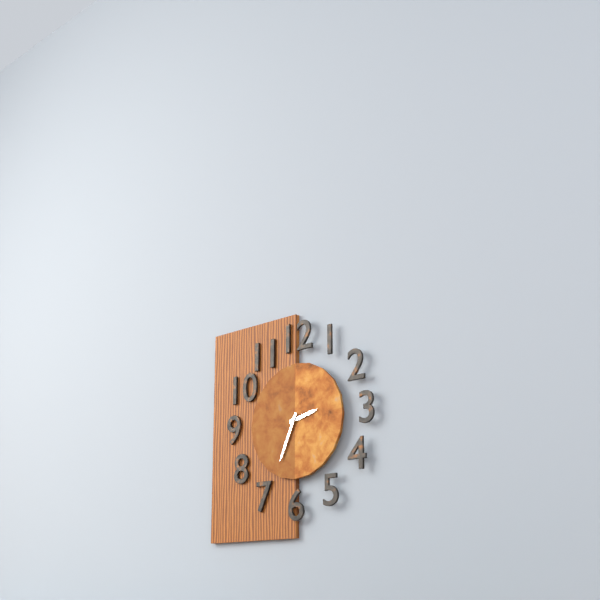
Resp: 2,34
